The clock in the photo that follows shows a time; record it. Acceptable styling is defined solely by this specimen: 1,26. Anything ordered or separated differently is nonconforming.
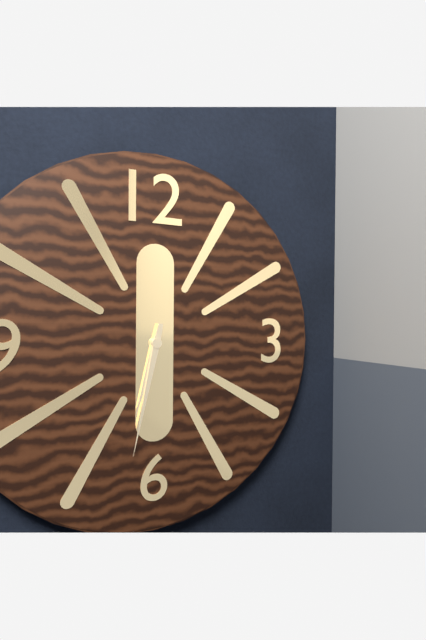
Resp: 6,32
